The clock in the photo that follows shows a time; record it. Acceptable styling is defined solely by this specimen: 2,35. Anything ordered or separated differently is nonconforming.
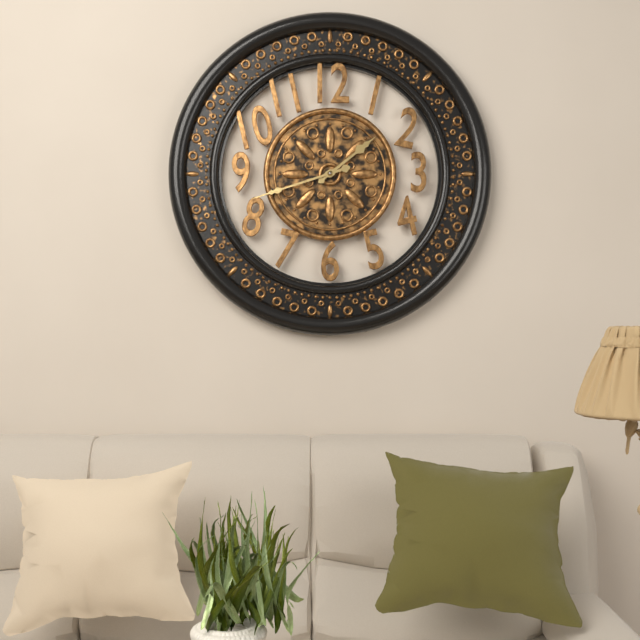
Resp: 1,42
